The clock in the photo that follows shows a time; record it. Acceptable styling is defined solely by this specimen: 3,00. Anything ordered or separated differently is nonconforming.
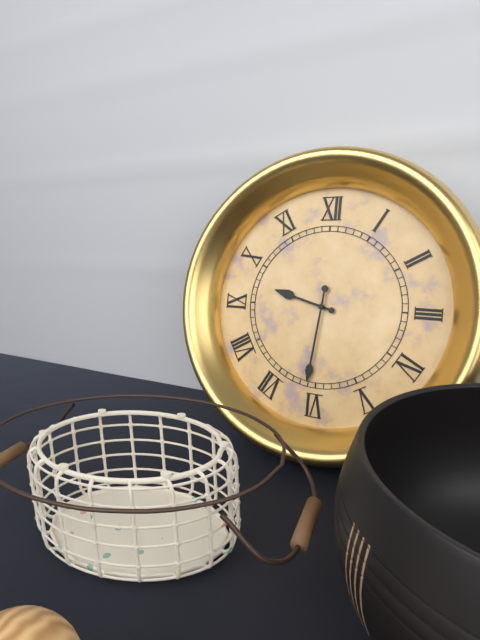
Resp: 9,31
